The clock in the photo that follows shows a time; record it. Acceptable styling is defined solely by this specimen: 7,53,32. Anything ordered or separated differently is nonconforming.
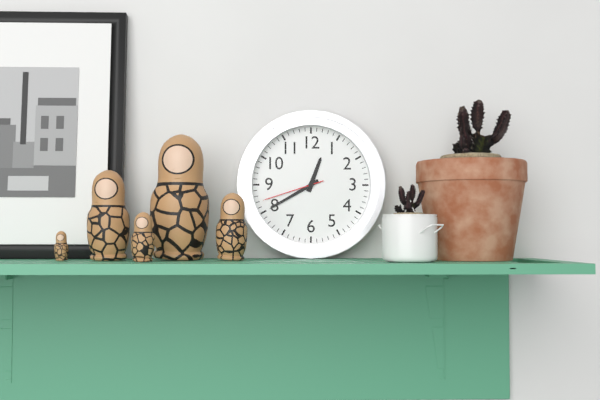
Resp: 12,40,42
